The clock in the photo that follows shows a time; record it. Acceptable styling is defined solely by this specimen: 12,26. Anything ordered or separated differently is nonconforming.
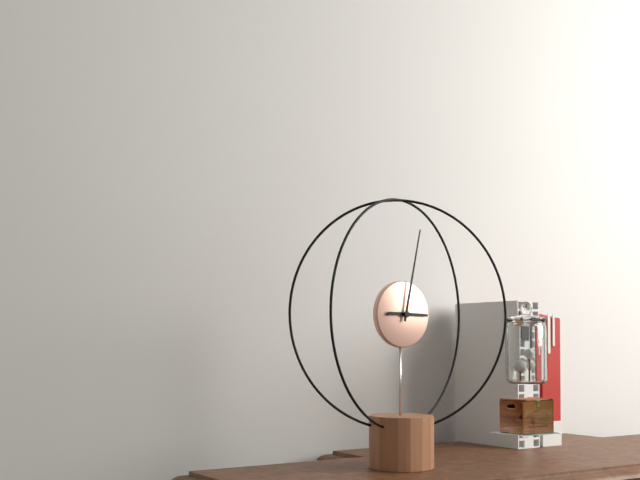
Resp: 3,02
